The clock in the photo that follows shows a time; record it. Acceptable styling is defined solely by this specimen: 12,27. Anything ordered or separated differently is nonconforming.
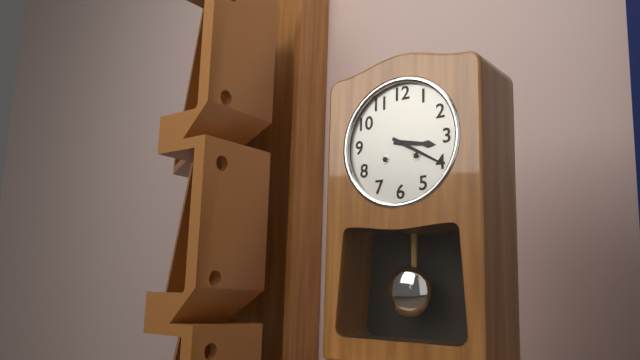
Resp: 3,20
